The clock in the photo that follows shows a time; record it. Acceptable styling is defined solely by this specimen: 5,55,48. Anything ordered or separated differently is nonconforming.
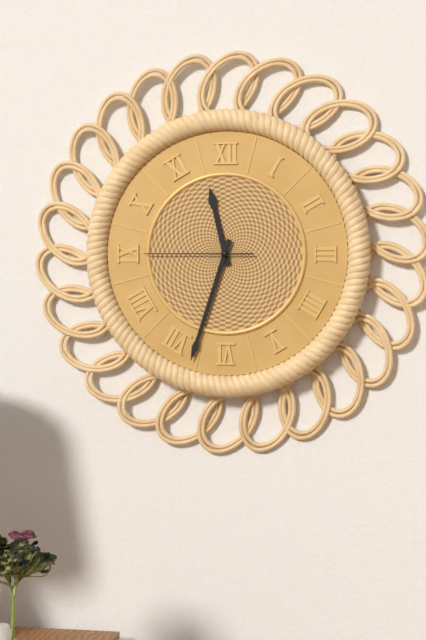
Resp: 11,33,45
